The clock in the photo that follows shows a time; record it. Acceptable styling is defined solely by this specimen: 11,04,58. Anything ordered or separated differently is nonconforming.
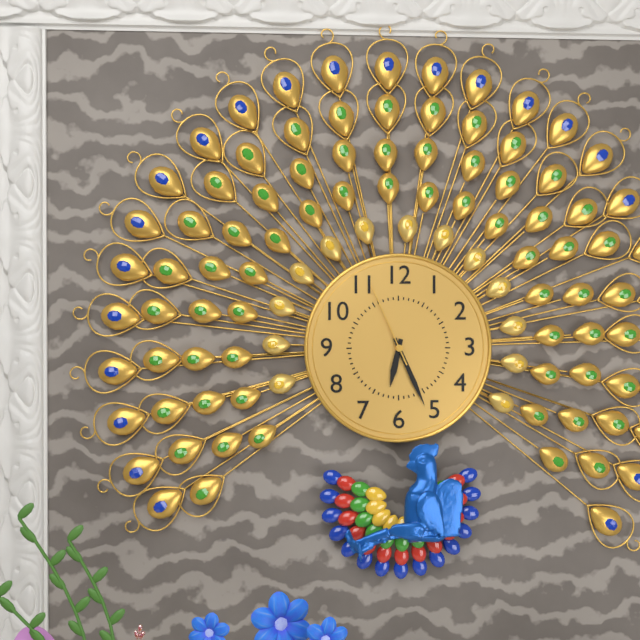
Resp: 6,26,56
